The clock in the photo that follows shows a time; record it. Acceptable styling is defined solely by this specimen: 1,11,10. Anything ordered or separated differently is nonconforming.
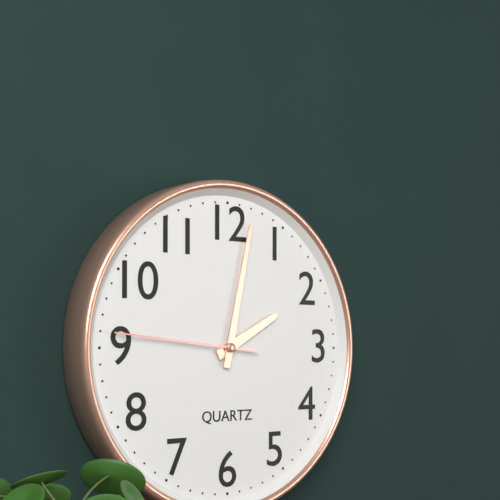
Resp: 2,02,46
